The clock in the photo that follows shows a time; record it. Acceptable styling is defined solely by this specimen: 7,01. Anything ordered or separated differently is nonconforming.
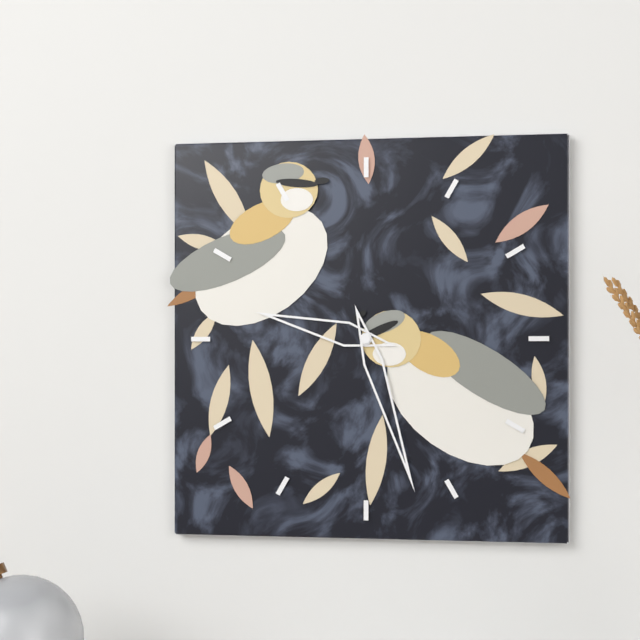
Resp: 9,27
